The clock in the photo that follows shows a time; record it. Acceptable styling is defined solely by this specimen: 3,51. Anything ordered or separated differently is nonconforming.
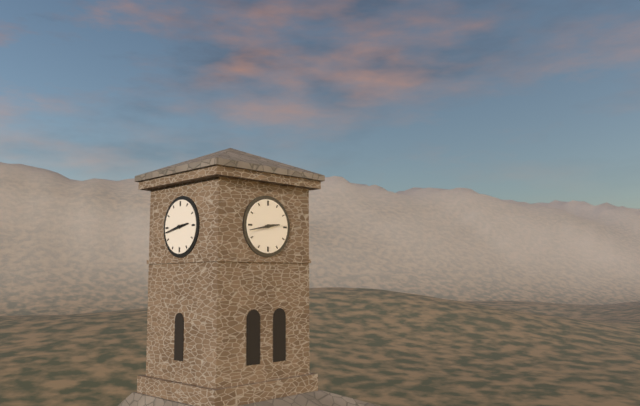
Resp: 2,43
